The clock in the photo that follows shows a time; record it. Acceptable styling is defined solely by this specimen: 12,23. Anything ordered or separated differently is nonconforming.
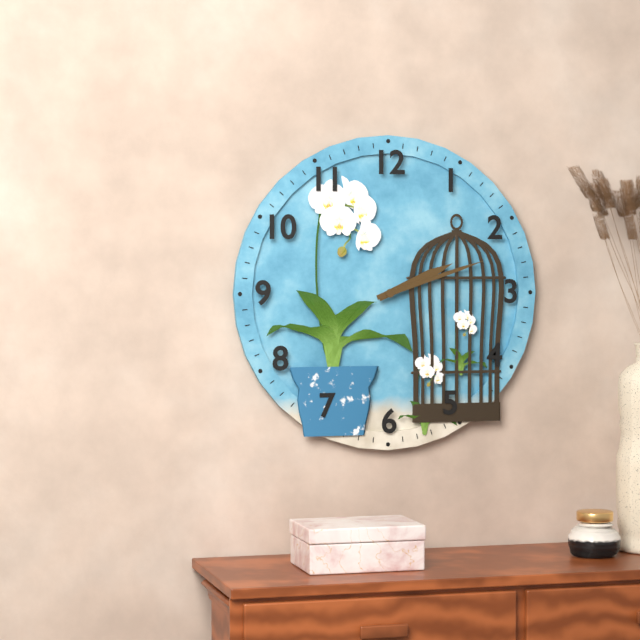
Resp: 2,12
